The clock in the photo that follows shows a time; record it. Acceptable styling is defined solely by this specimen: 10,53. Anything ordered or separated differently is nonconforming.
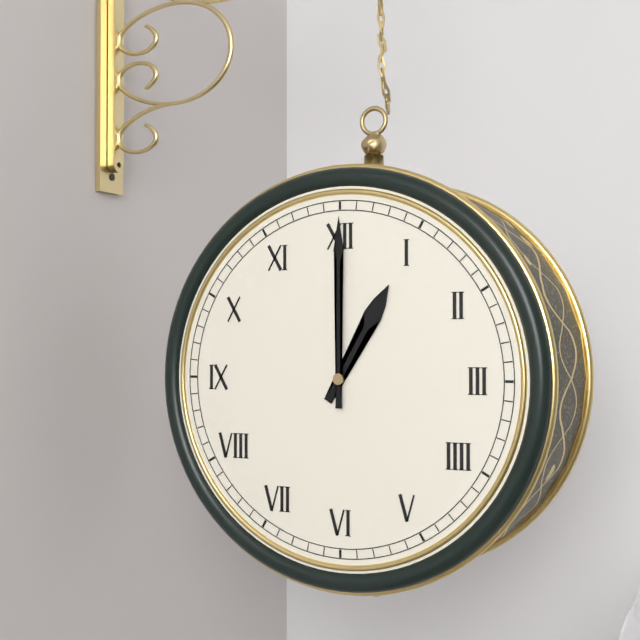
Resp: 1,00
